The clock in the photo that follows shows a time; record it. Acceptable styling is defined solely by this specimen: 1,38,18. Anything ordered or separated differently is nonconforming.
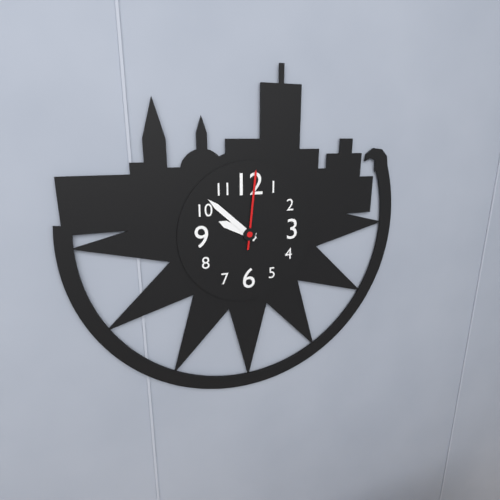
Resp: 9,52,01
